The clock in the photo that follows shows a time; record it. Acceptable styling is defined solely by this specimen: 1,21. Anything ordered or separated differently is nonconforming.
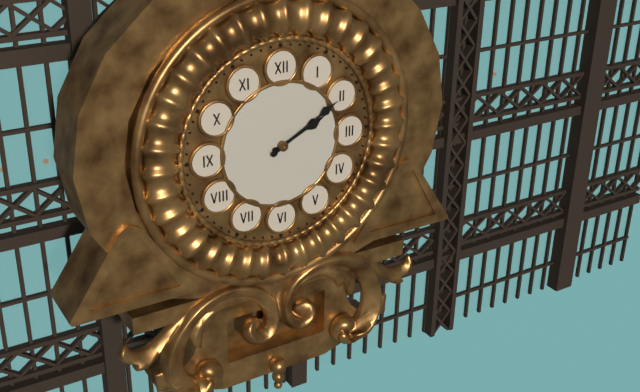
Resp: 2,10
